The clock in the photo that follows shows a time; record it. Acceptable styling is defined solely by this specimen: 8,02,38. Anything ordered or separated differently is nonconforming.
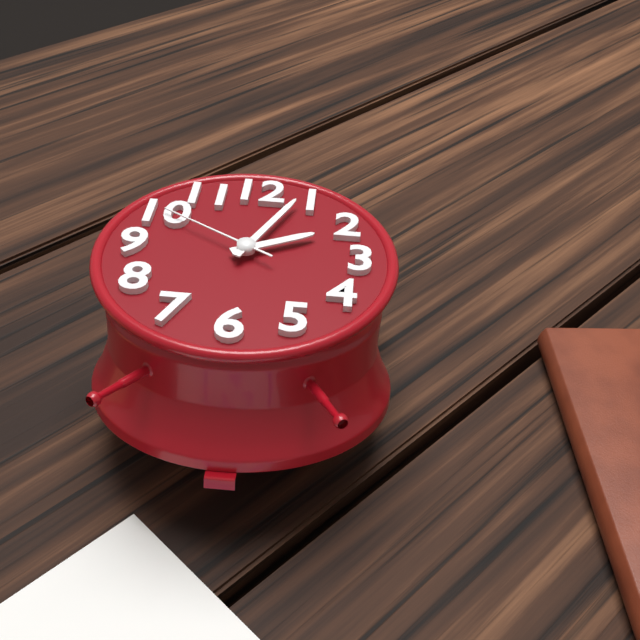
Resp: 2,04,50
